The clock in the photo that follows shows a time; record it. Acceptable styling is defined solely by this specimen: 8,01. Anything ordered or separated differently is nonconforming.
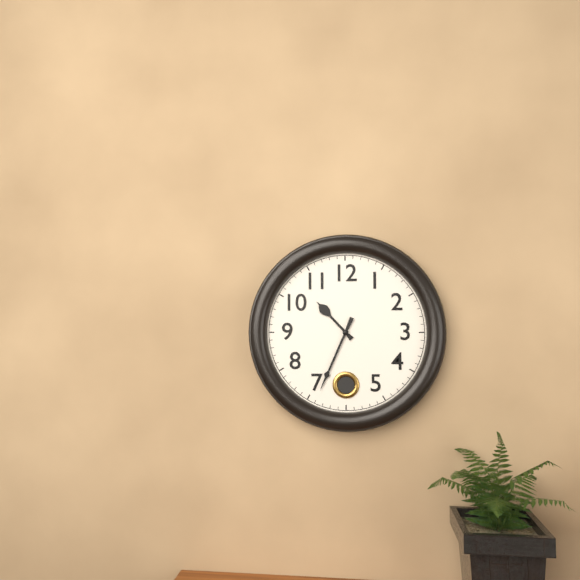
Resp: 10,34
